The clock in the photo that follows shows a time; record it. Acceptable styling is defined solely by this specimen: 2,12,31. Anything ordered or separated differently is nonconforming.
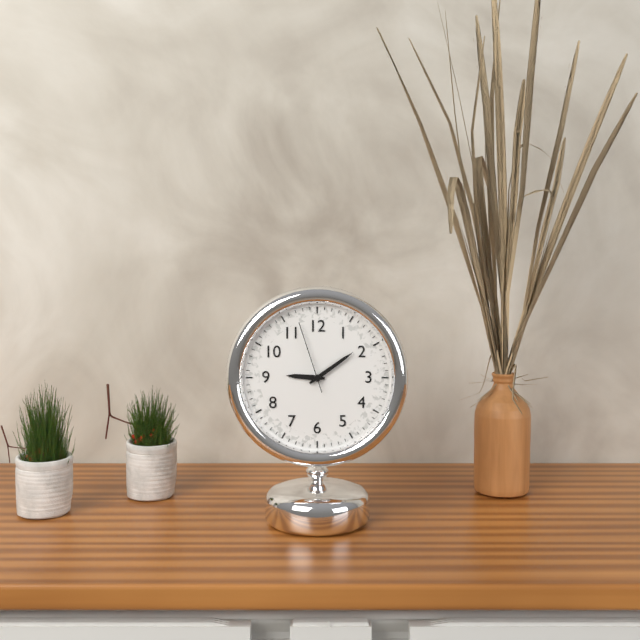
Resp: 9,09,57
